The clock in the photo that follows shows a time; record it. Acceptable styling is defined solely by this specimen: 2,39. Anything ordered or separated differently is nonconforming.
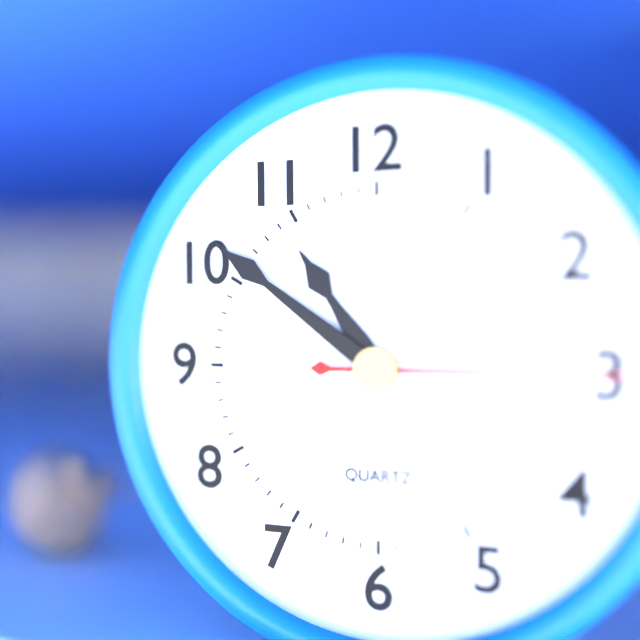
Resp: 10,51
